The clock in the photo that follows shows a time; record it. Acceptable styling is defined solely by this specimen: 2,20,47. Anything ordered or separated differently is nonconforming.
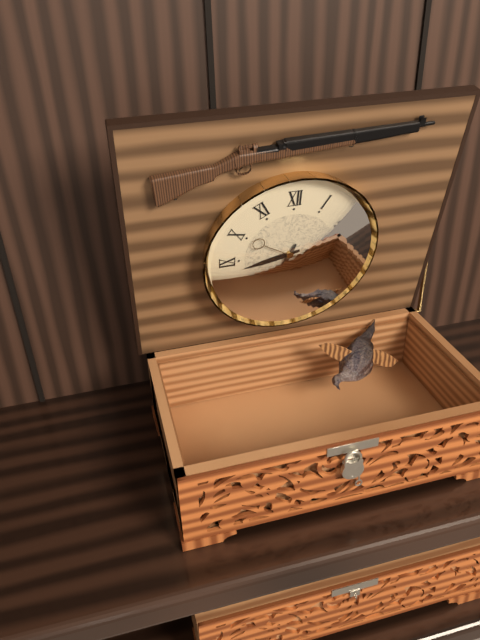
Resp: 8,34,20
